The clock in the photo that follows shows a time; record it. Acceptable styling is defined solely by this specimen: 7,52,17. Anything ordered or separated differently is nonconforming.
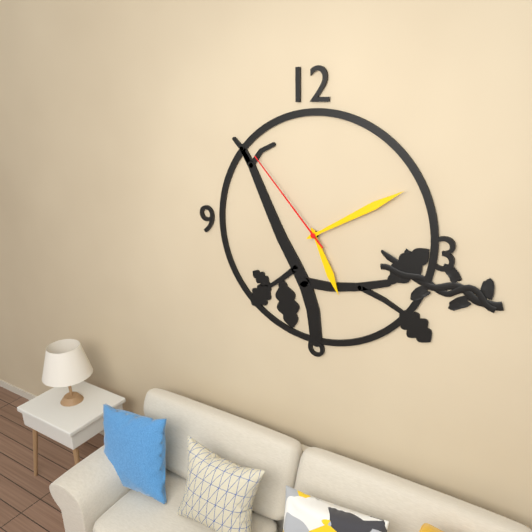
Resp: 5,10,53
